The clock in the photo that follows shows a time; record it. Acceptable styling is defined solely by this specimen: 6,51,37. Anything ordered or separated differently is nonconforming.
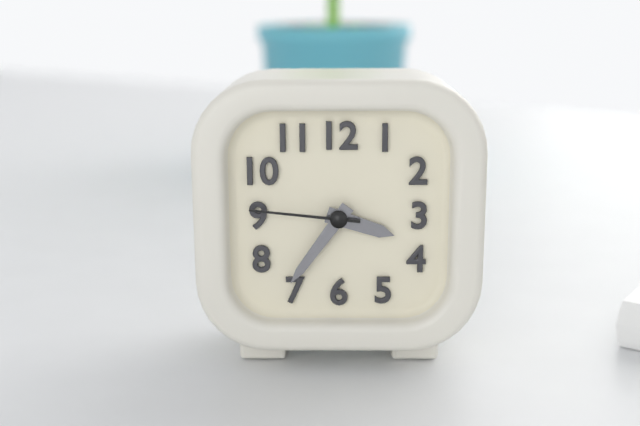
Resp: 3,36,46
